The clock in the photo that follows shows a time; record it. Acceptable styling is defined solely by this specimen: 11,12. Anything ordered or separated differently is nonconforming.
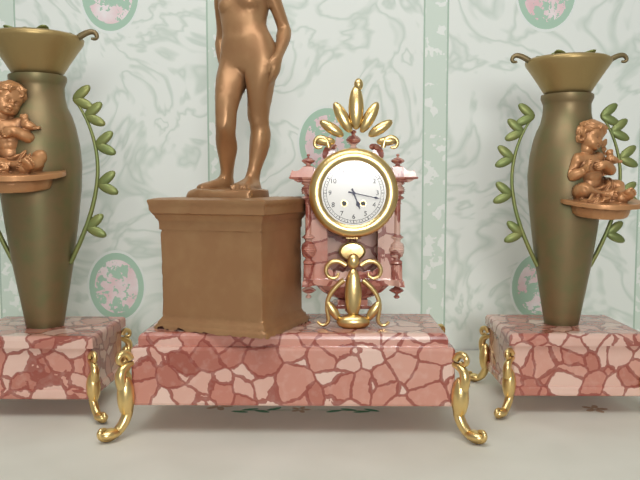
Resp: 5,17
